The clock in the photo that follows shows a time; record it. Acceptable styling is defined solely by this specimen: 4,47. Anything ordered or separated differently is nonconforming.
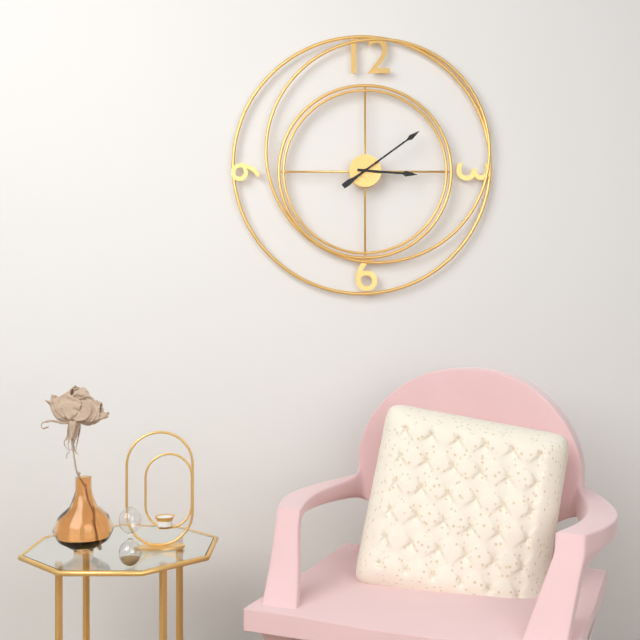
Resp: 3,09
